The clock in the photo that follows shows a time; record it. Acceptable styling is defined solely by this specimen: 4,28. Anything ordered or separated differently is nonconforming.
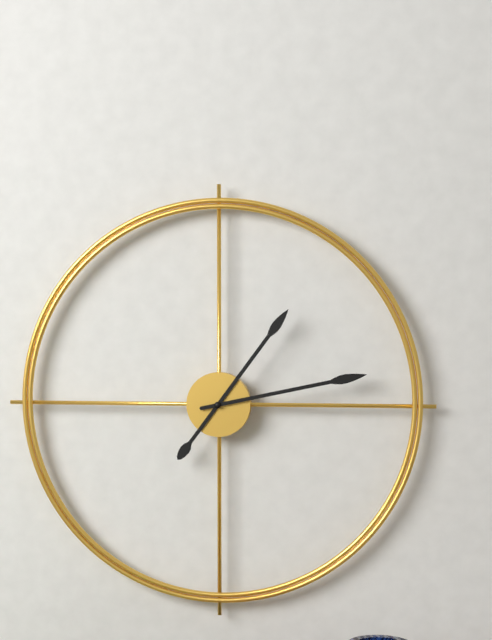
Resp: 1,13
